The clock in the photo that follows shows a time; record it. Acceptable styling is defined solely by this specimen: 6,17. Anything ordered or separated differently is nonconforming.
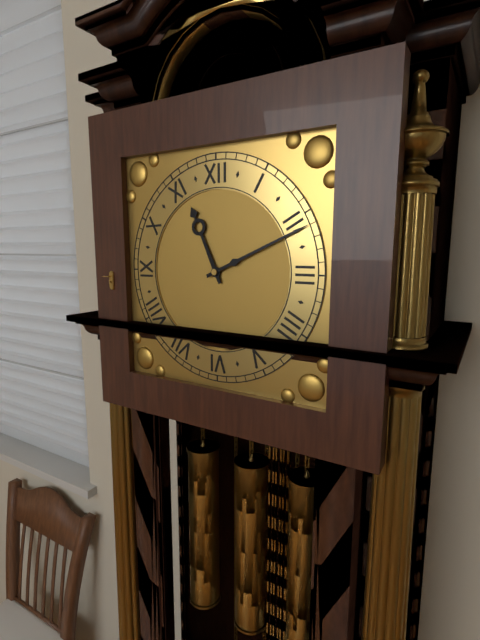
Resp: 11,11
